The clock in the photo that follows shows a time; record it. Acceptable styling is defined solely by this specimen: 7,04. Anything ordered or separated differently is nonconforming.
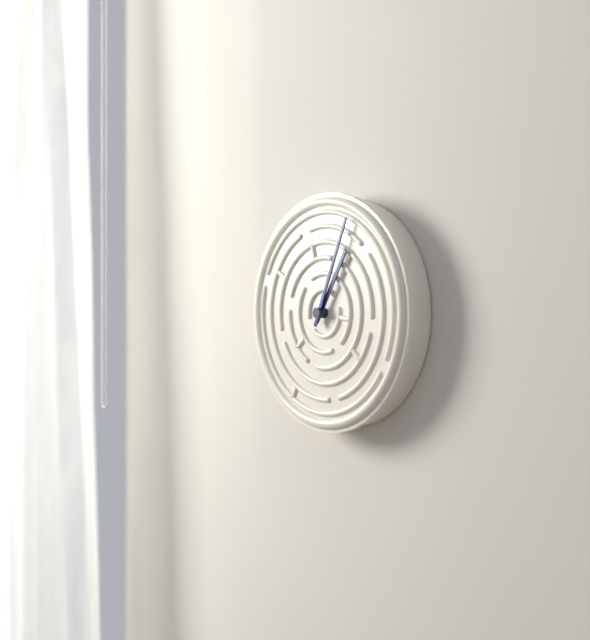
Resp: 1,04
